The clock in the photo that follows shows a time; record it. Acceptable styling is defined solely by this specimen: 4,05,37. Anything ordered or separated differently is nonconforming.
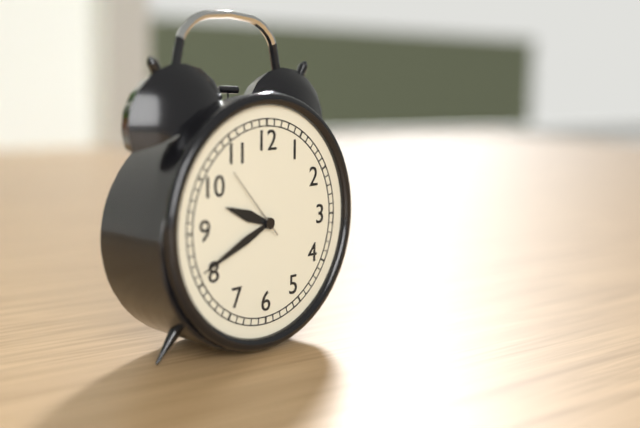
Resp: 9,41,53
